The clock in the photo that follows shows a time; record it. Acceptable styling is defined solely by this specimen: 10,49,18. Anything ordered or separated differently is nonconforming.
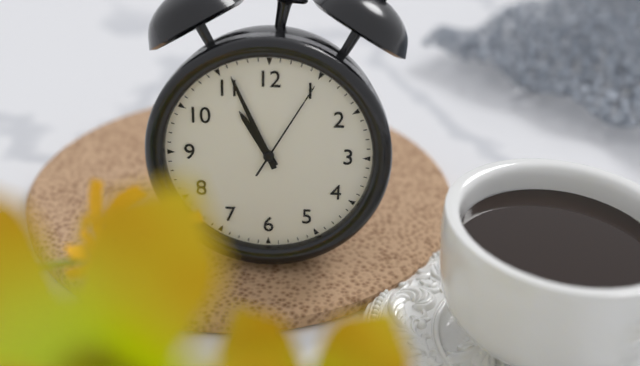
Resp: 10,56,05
